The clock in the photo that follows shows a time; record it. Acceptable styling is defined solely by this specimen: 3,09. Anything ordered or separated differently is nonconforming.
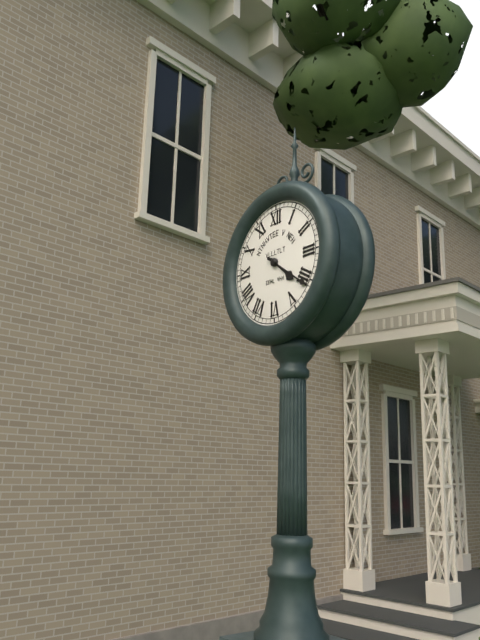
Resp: 4,21
